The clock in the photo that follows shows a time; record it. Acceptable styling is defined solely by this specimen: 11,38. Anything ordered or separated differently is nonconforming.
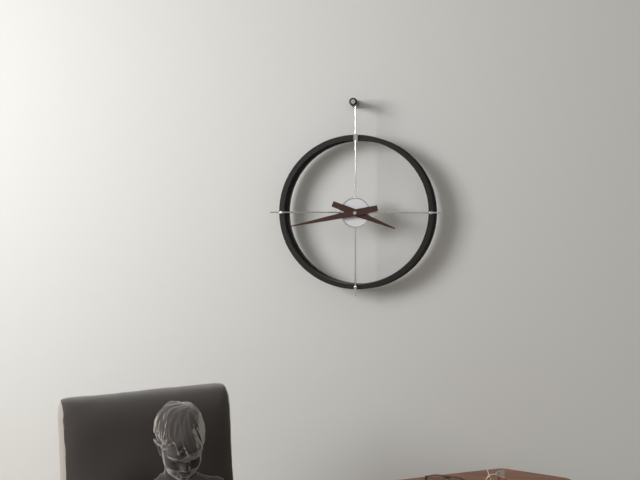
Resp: 3,43
